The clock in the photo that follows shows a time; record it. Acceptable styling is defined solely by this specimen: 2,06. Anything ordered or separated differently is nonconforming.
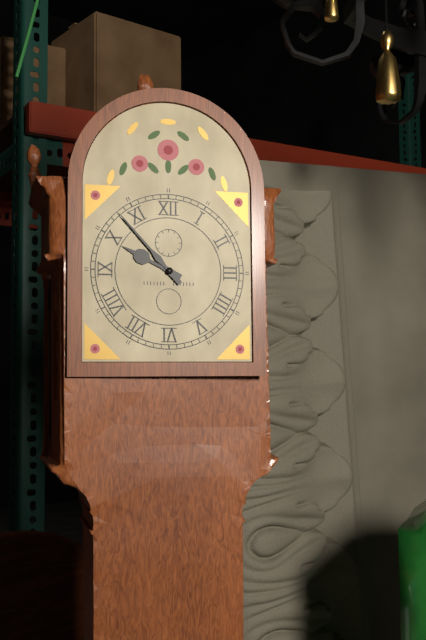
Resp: 9,53
